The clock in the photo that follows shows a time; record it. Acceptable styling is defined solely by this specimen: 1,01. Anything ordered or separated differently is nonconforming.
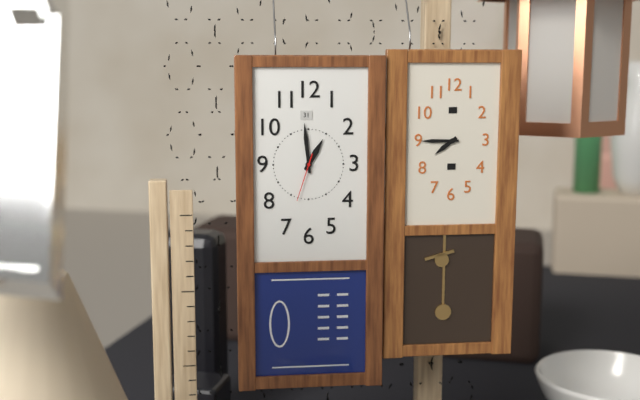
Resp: 12,59
